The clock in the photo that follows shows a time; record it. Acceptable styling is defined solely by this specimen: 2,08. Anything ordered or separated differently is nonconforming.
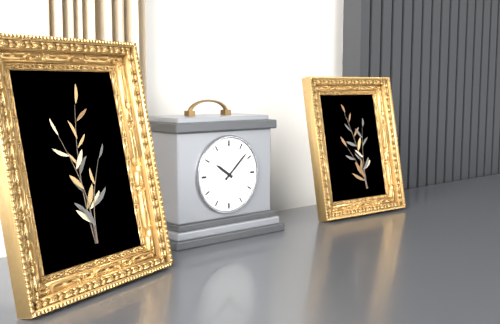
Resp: 10,08
